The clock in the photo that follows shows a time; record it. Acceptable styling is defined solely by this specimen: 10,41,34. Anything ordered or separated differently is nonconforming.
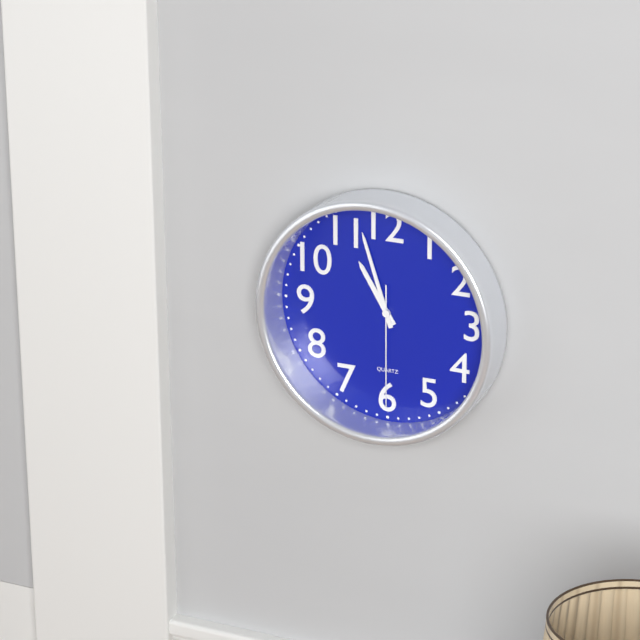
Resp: 10,57,30
